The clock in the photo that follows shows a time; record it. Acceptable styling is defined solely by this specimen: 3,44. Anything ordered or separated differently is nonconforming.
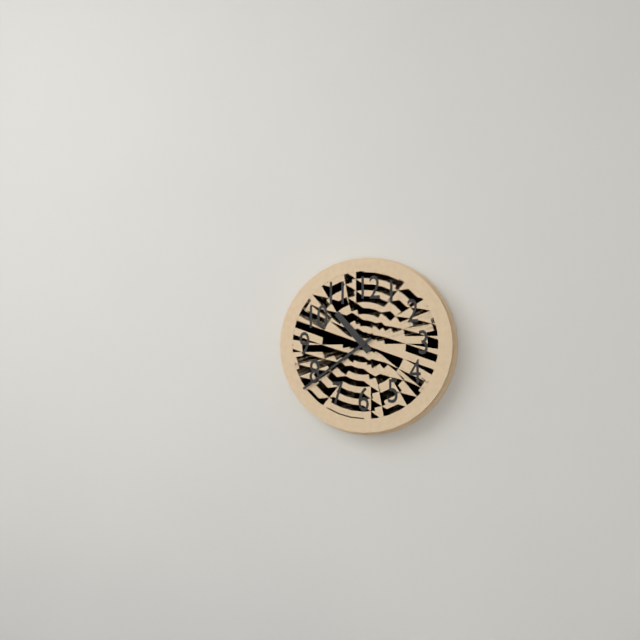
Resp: 10,39
